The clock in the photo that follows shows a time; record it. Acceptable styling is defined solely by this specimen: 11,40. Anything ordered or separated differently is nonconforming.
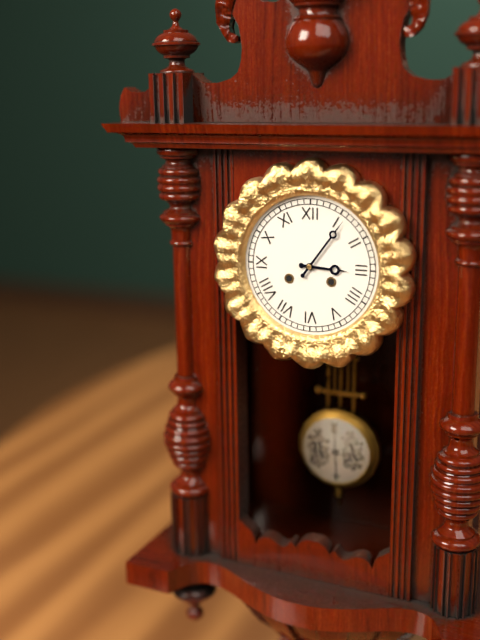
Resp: 3,06
